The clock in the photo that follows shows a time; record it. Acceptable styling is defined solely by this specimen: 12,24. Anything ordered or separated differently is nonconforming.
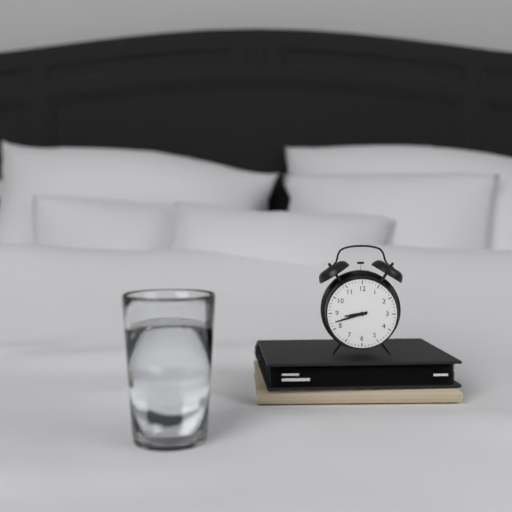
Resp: 8,42
